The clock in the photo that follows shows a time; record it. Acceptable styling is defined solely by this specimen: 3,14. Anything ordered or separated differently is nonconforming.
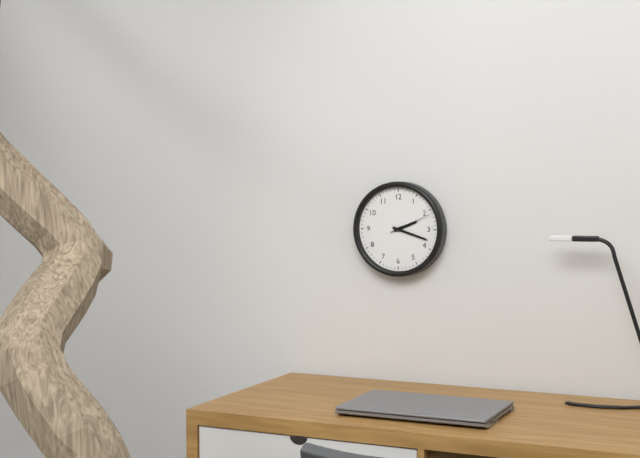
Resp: 2,18
